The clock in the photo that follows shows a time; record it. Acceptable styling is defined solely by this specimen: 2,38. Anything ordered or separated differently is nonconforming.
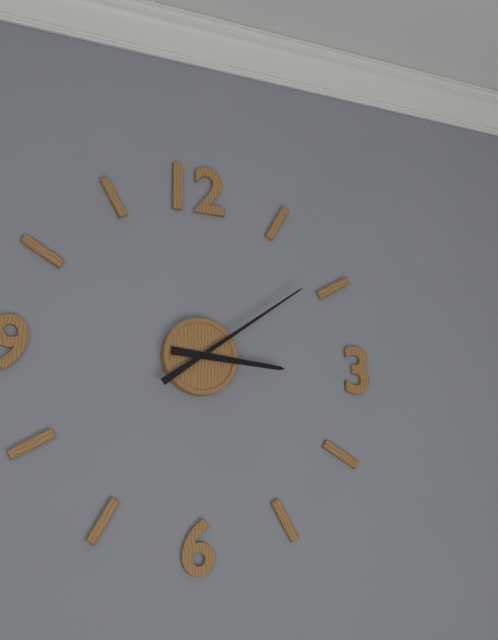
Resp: 3,09
